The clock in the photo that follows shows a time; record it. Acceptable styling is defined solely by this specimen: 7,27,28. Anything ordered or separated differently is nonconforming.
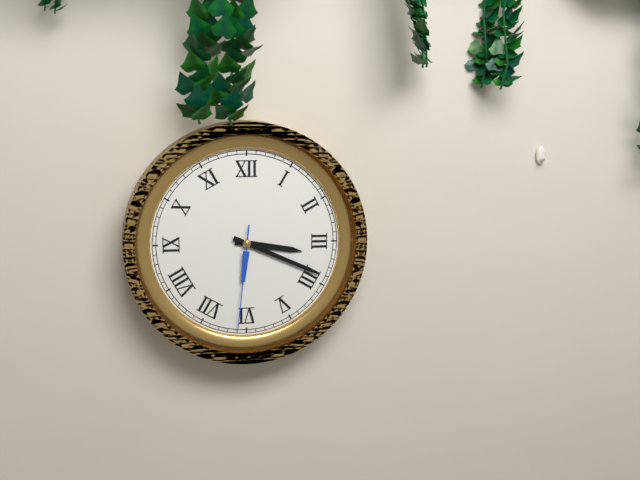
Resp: 3,19,31
